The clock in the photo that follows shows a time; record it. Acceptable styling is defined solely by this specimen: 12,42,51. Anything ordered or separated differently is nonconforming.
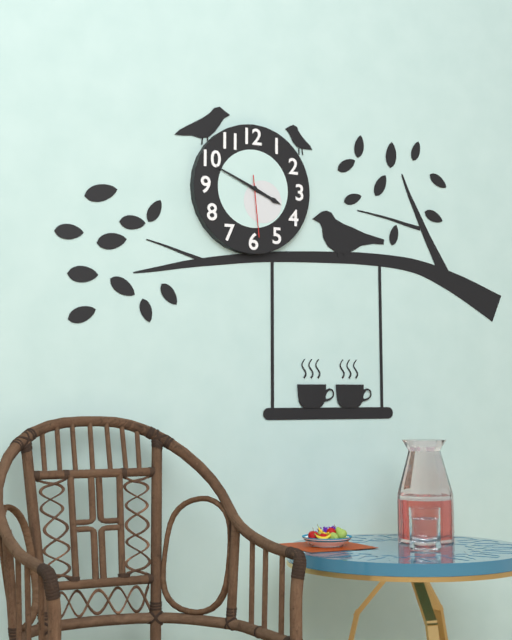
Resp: 3,49,29
